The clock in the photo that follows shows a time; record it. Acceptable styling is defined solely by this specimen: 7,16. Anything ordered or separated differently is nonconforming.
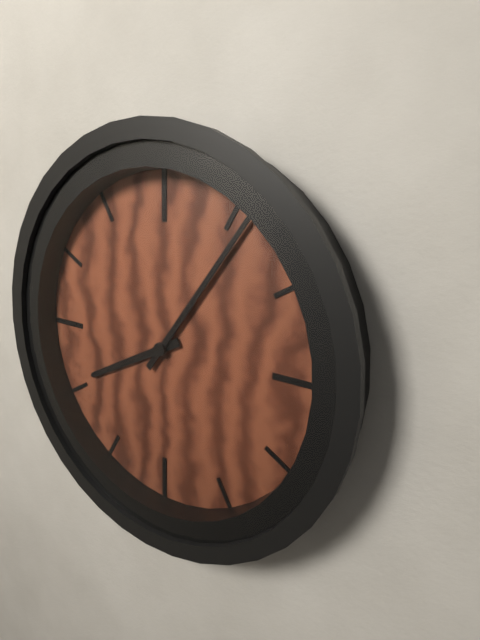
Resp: 8,06
